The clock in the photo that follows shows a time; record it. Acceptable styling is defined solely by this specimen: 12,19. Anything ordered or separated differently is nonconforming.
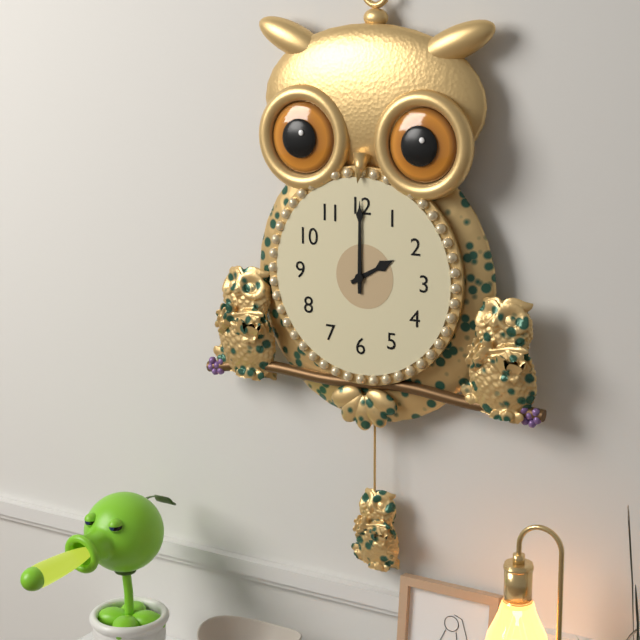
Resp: 2,00
